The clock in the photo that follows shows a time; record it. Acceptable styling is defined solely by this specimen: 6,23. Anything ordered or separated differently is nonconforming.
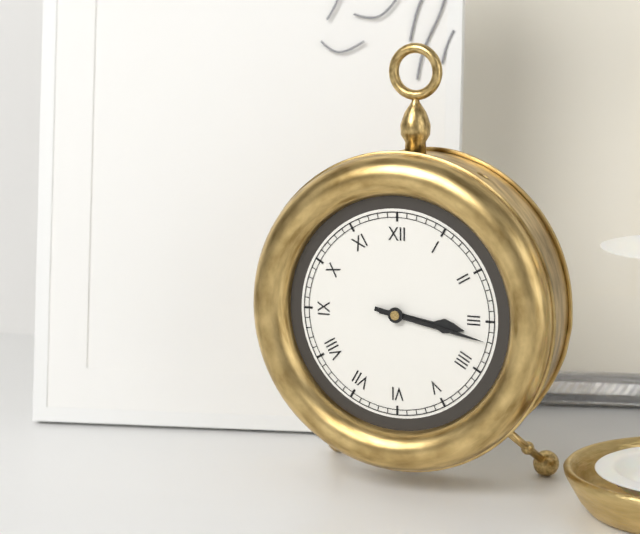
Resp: 3,17
